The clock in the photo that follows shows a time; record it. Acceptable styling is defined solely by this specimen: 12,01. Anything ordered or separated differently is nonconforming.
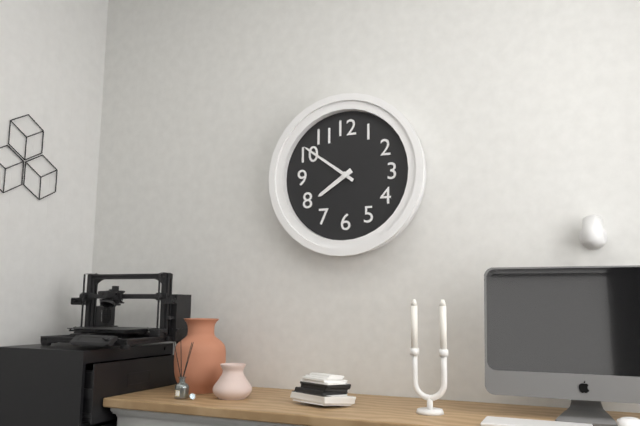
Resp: 7,51
